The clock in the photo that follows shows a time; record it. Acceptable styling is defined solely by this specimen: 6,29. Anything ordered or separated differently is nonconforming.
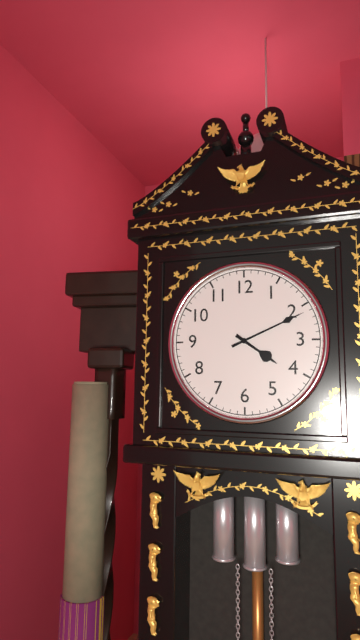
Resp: 4,11
